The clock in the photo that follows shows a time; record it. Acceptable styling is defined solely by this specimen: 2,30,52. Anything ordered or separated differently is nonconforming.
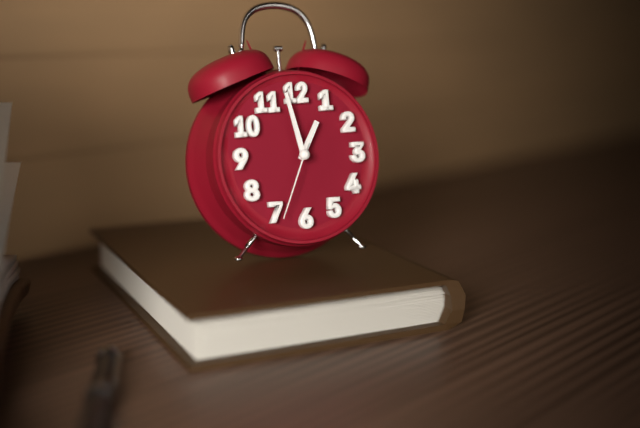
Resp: 12,58,34
